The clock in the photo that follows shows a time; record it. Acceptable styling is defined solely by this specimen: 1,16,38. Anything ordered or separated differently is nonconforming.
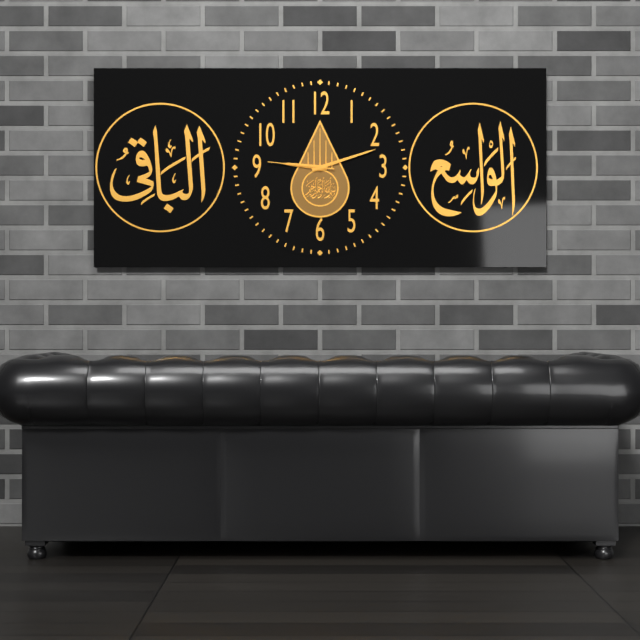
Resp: 9,12,46
